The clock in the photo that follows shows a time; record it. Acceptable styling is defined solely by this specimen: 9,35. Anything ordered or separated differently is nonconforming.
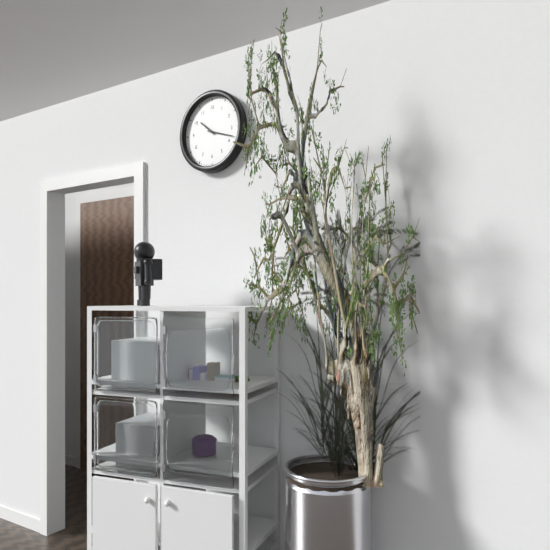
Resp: 10,18
